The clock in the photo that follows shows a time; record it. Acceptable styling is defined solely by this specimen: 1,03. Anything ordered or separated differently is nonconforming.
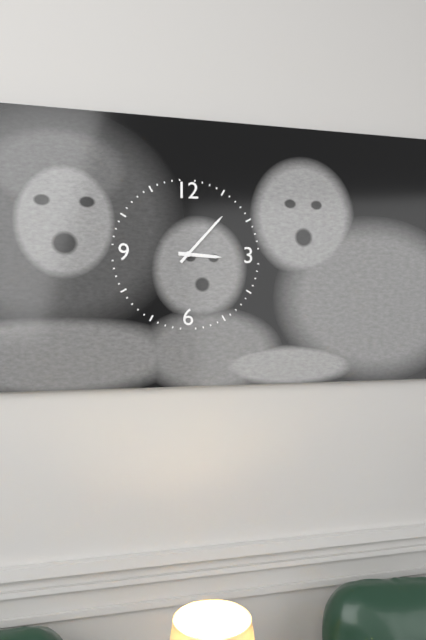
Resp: 3,07
